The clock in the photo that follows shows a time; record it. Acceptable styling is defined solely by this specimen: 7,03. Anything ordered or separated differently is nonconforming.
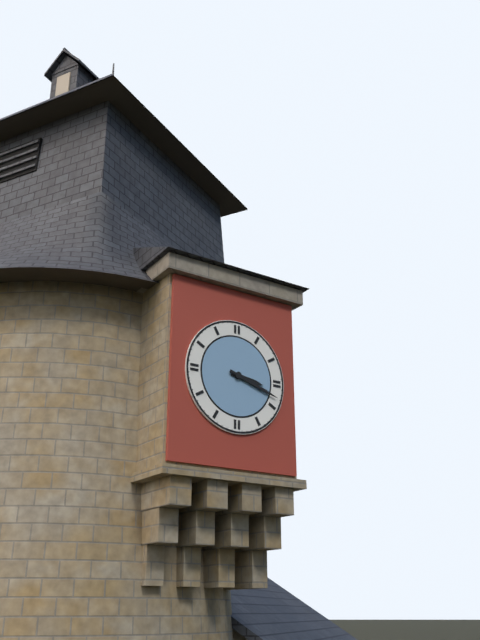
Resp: 3,18
